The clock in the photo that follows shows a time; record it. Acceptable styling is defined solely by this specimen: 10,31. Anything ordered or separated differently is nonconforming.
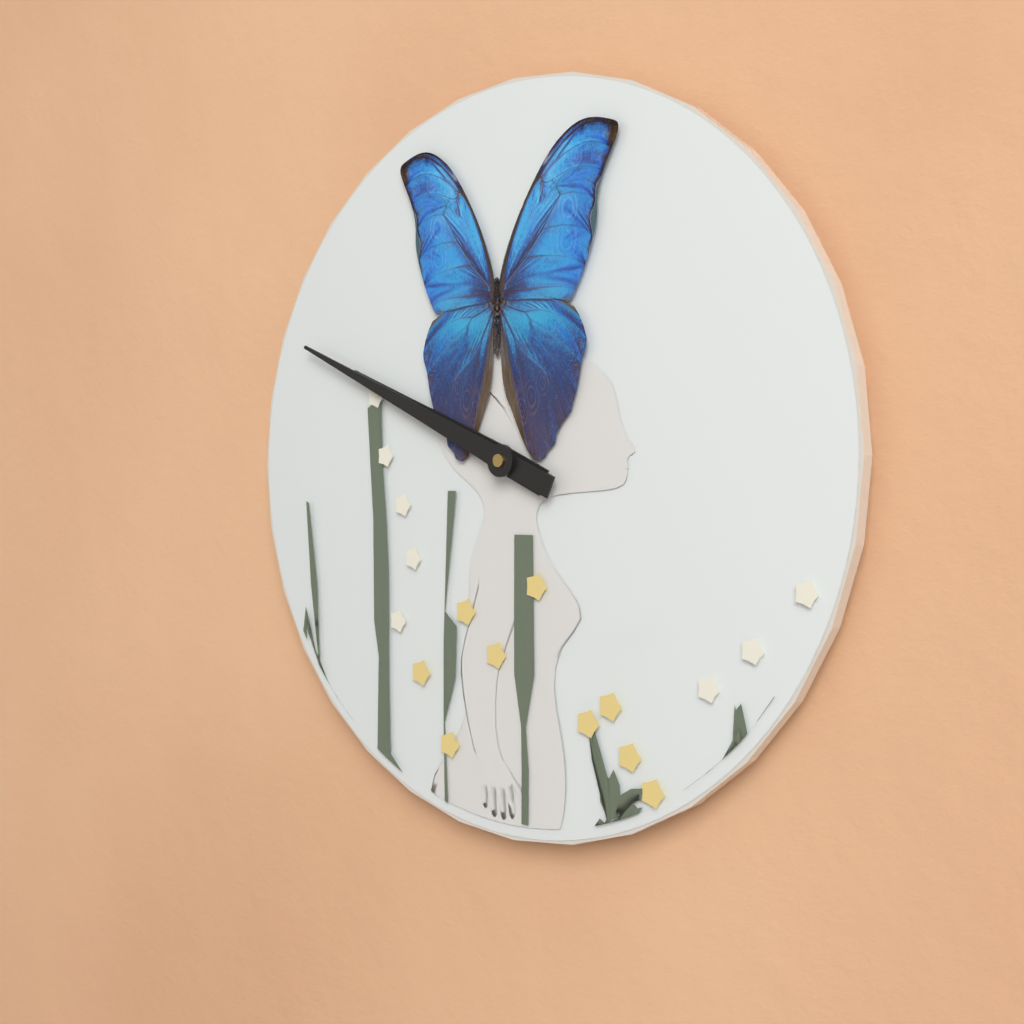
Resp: 9,49
